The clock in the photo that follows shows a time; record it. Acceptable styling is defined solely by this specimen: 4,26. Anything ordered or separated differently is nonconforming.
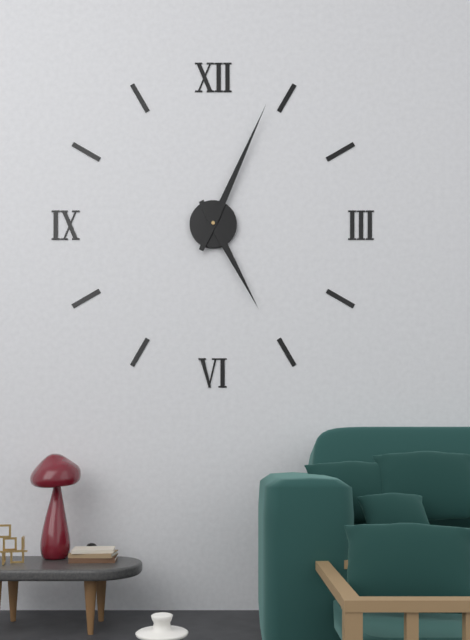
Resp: 5,04
